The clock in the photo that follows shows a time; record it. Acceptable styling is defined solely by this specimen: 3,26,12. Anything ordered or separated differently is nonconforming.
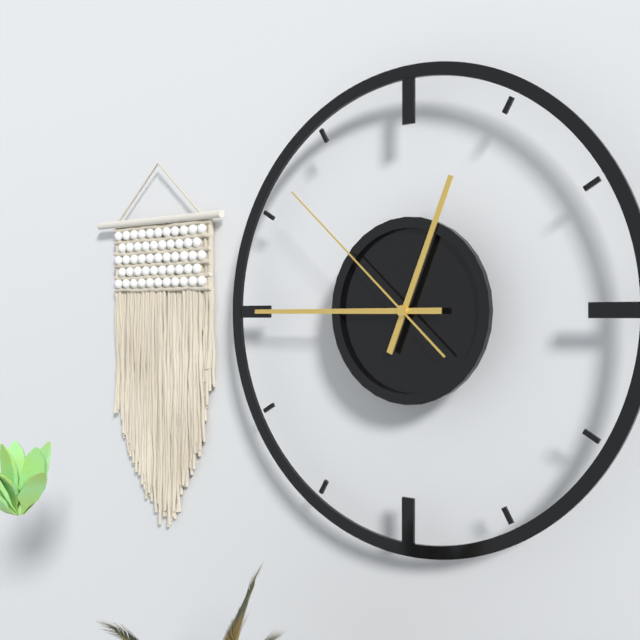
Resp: 12,45,52
